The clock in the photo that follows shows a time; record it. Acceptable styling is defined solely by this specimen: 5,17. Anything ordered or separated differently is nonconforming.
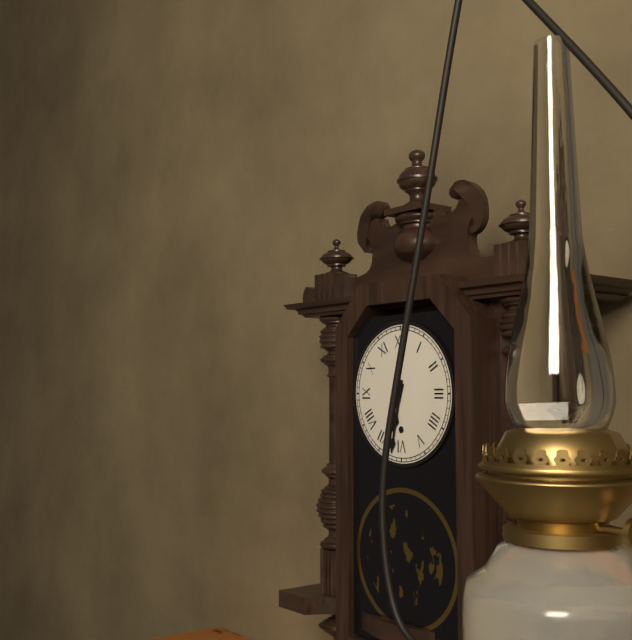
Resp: 6,32
